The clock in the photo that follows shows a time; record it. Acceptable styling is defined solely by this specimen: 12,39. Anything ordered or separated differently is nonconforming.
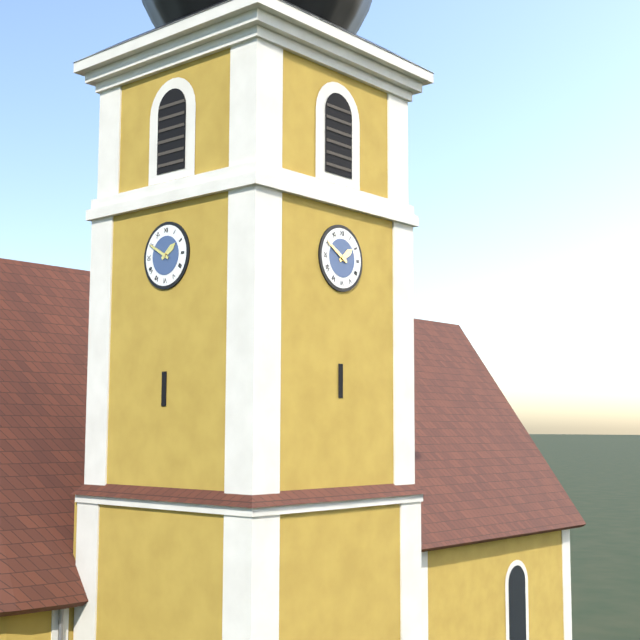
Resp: 1,50
